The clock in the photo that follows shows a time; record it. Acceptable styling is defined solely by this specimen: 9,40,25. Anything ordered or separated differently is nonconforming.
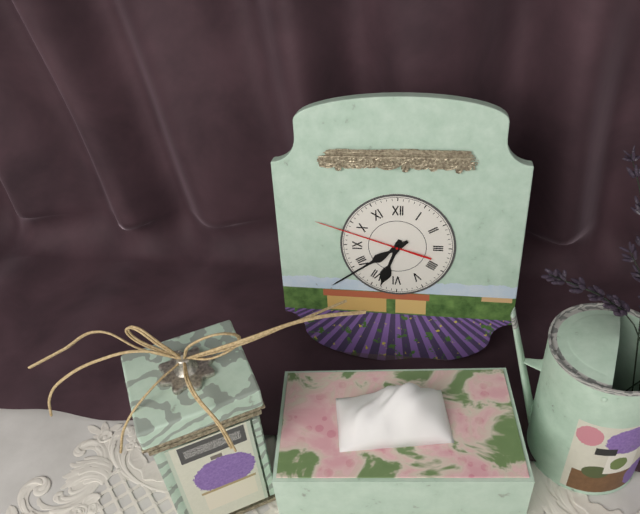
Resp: 6,39,48
